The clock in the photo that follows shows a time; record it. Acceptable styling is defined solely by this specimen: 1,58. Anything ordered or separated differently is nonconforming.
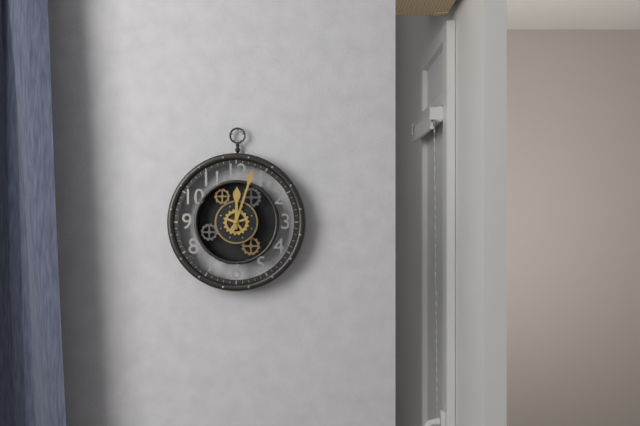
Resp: 12,03
